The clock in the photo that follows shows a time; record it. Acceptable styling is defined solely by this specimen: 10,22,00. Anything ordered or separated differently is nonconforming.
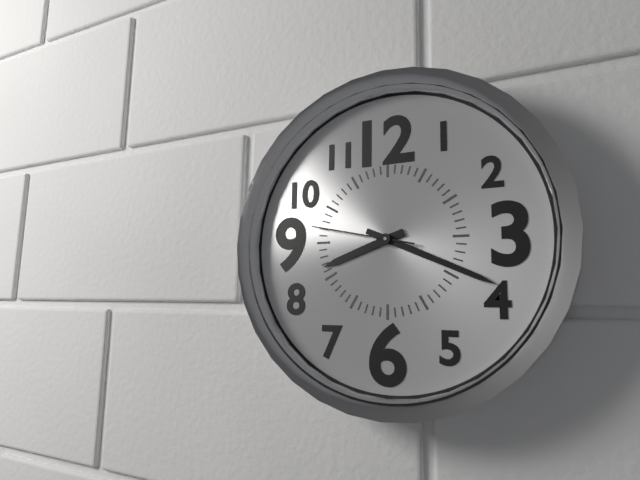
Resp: 8,19,47
